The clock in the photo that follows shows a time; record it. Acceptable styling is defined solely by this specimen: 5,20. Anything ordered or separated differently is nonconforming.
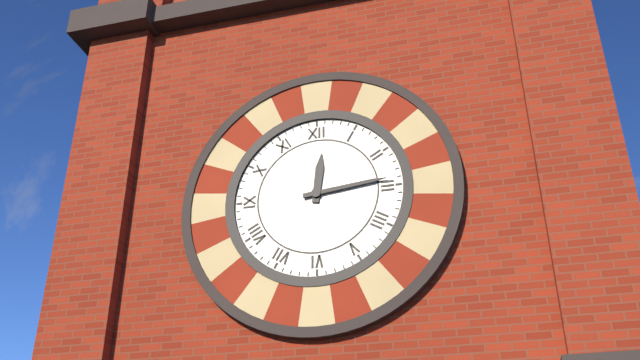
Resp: 12,14
